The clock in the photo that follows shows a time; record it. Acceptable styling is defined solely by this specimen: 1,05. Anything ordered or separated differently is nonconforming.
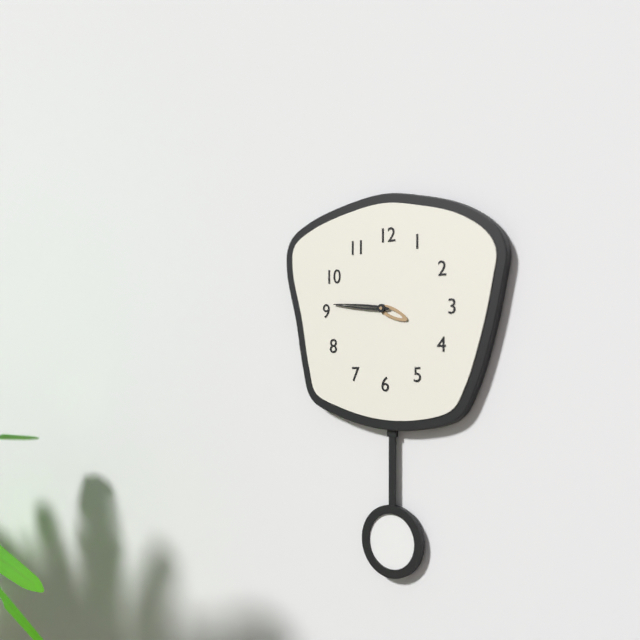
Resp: 3,46
